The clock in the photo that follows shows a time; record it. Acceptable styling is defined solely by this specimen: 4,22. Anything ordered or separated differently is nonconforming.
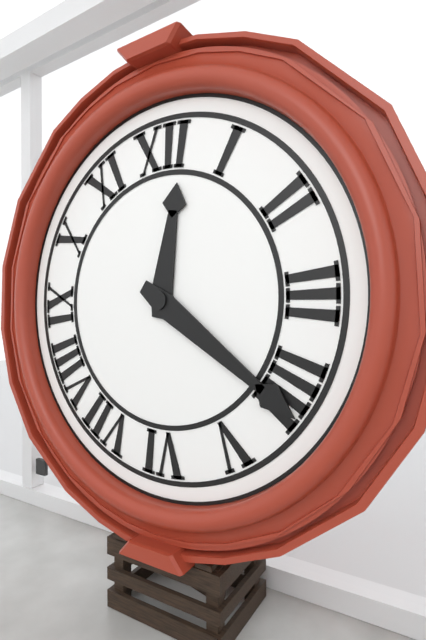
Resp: 12,21
